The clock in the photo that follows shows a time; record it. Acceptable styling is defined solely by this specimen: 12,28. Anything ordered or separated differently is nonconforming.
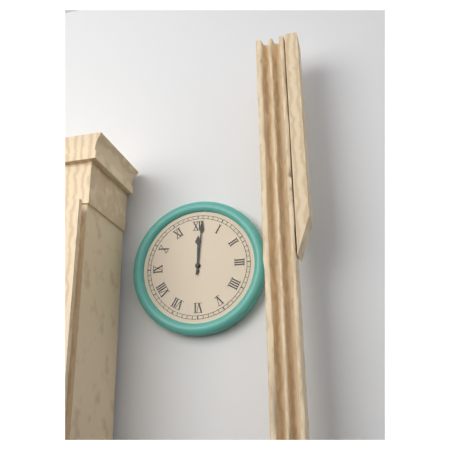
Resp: 12,01
